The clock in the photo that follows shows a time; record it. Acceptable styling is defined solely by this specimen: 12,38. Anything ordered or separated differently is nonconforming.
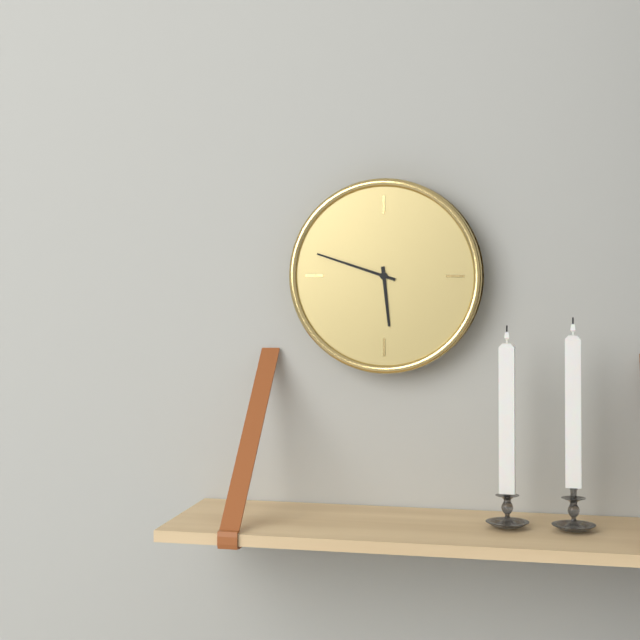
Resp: 5,48
